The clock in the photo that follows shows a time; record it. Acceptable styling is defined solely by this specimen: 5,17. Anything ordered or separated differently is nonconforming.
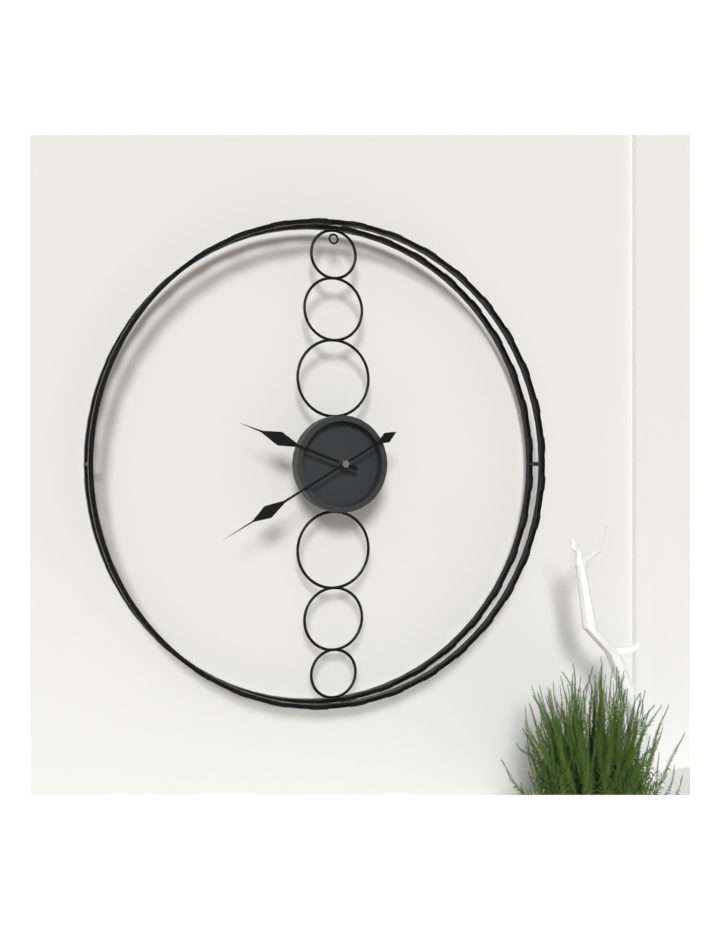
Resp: 9,40
